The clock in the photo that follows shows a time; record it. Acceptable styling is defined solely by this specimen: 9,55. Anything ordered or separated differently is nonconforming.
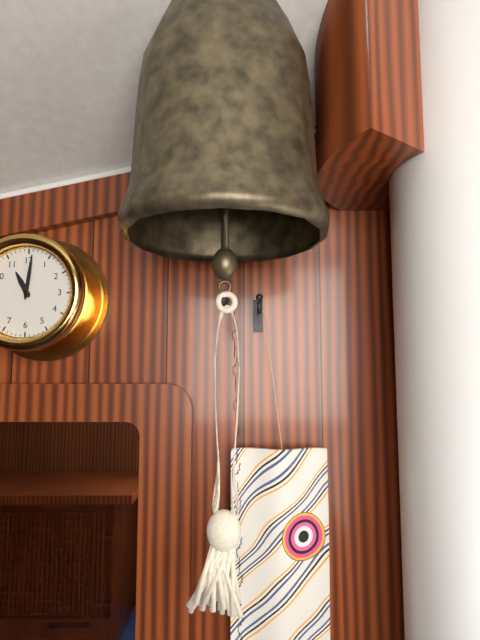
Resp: 11,01
